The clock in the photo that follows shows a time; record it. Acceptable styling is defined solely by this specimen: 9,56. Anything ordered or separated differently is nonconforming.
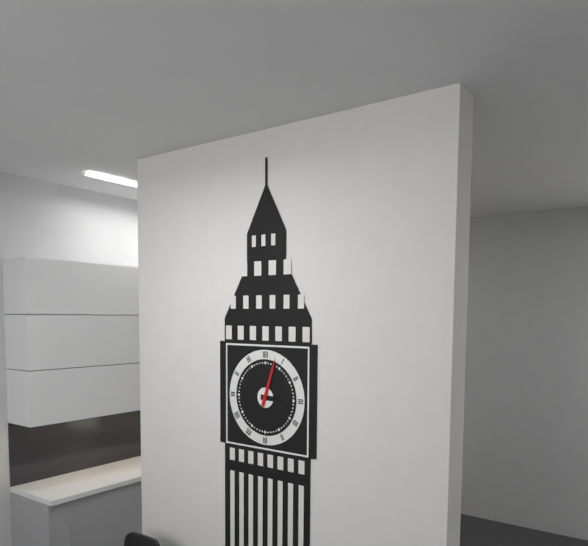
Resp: 3,03
